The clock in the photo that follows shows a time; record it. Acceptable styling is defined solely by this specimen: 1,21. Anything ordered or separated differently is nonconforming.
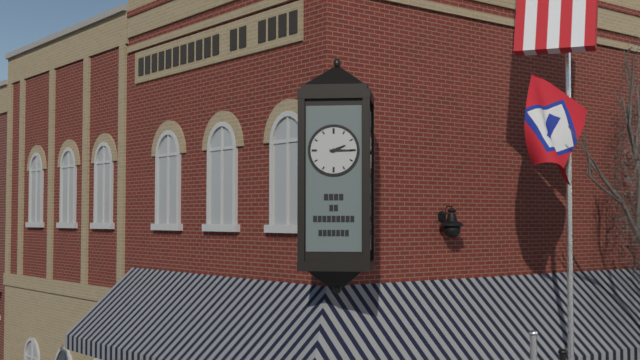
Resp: 2,15
